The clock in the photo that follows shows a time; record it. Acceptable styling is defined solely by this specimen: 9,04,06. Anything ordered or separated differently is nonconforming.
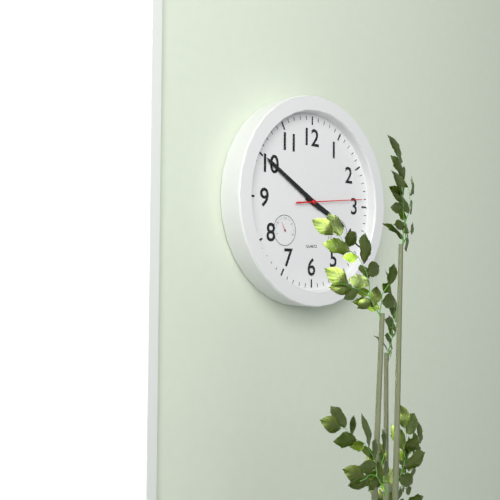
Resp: 3,50,14
